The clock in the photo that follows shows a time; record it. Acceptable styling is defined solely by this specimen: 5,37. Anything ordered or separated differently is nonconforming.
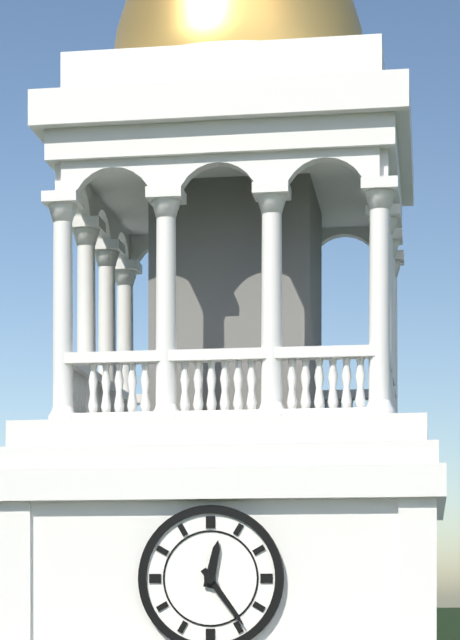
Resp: 12,24
